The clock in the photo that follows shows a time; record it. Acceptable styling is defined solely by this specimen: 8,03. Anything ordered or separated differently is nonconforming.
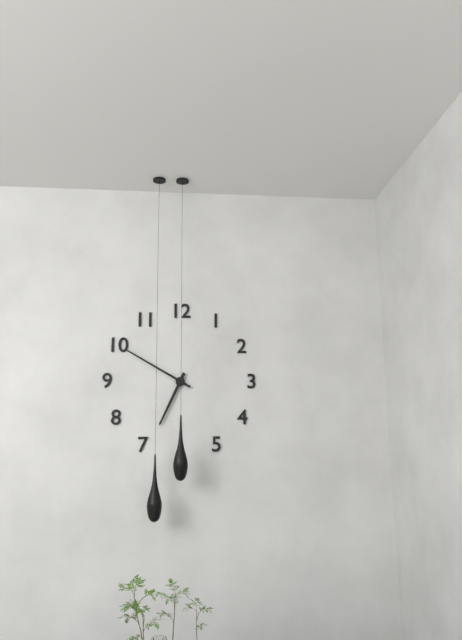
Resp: 6,50
